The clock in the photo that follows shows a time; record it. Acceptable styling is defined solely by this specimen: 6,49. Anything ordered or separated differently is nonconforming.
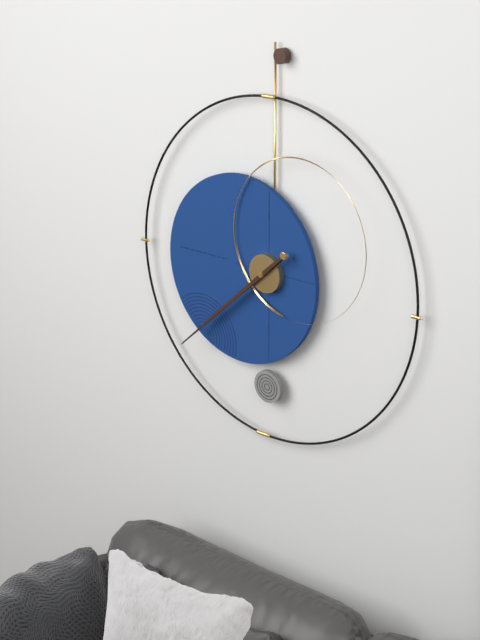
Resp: 7,38
